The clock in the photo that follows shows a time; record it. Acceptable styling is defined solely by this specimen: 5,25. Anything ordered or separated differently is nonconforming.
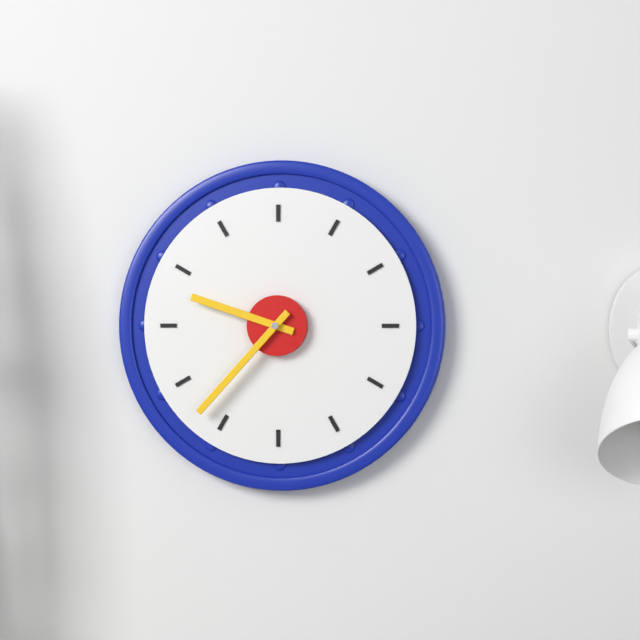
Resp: 9,37
